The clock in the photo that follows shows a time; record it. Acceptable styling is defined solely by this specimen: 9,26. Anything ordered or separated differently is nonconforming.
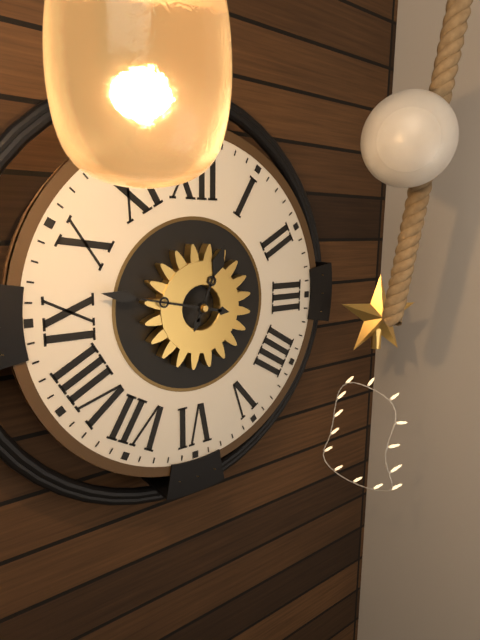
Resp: 12,47
